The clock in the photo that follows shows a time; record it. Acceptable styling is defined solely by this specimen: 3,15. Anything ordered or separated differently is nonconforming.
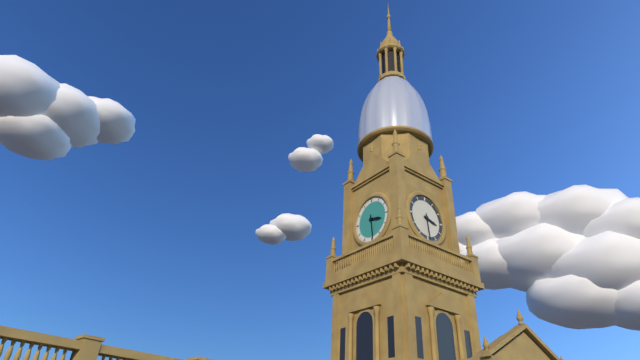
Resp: 3,29
